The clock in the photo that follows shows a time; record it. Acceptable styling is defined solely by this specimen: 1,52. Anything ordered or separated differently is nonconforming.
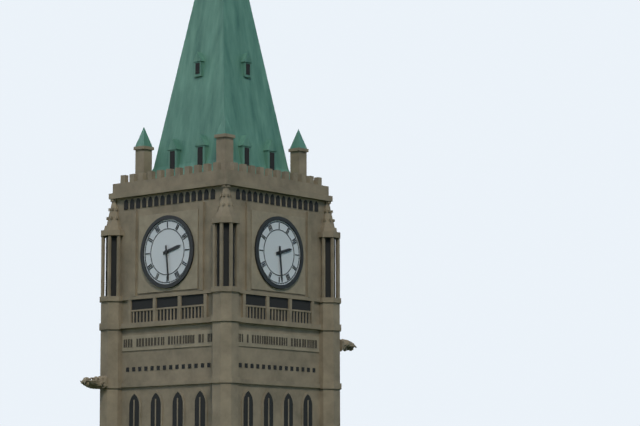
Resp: 2,29
